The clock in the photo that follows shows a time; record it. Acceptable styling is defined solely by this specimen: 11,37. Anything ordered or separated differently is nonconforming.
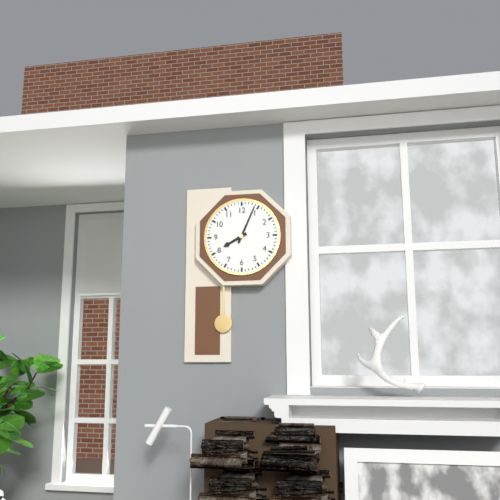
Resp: 8,04
